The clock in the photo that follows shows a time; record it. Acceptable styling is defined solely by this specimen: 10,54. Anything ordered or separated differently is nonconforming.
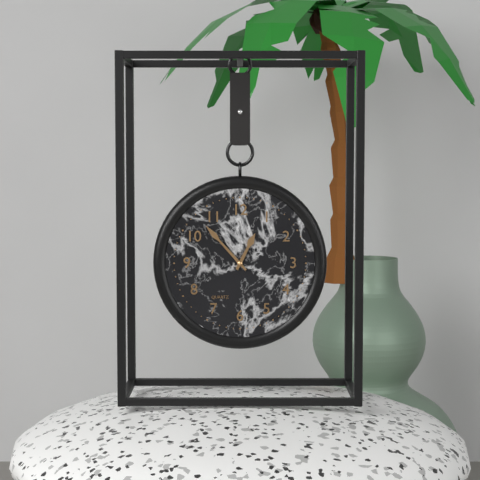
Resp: 12,53
